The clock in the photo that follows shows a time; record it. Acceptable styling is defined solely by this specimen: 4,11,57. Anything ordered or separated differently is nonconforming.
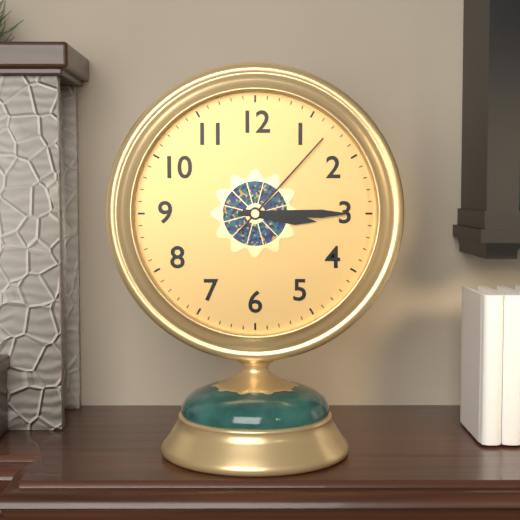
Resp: 3,15,07
